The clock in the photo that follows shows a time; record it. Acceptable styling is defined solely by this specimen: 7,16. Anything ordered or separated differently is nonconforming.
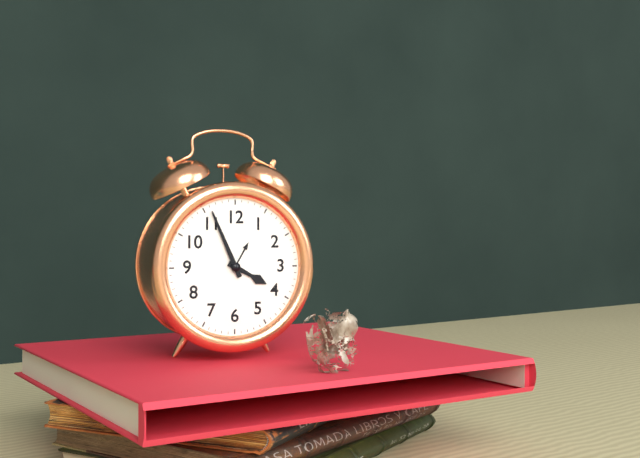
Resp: 3,56
